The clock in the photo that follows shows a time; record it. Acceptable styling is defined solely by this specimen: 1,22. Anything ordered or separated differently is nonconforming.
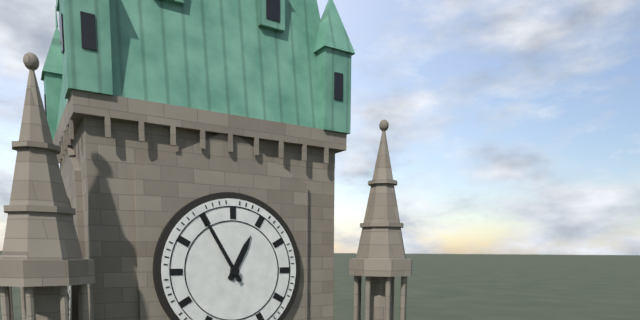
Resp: 12,55
